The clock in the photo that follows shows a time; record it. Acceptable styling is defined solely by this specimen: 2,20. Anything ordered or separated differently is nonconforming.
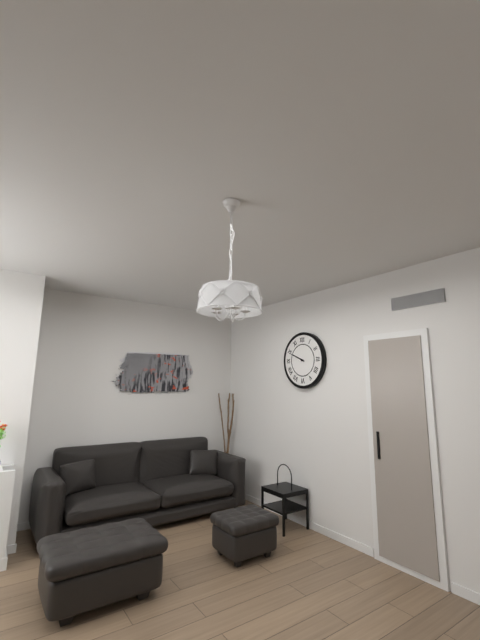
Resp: 9,49
